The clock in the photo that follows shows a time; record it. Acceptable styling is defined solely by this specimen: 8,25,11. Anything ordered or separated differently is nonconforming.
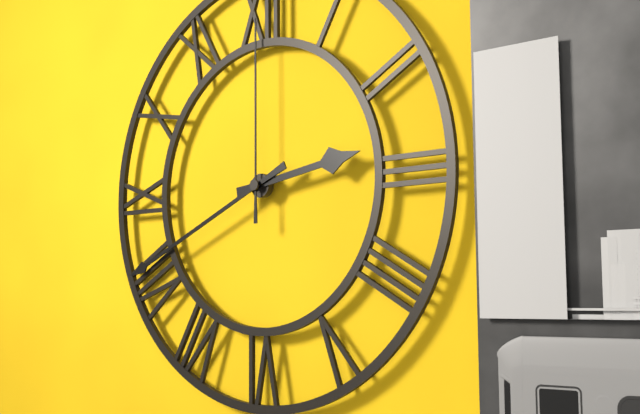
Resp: 2,41,00
